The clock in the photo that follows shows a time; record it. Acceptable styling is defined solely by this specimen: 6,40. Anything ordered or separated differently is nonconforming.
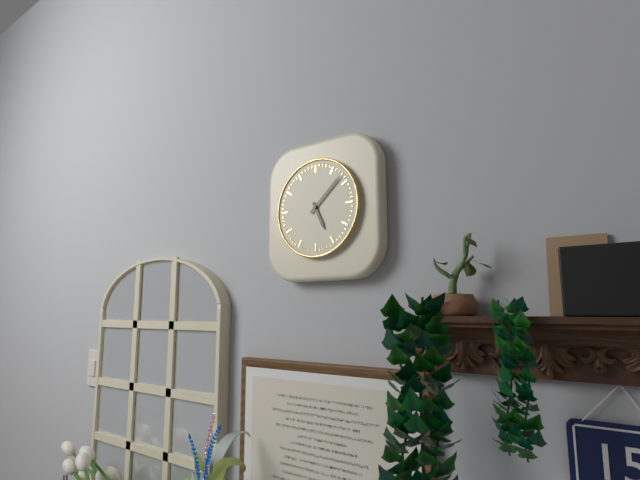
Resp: 5,08
